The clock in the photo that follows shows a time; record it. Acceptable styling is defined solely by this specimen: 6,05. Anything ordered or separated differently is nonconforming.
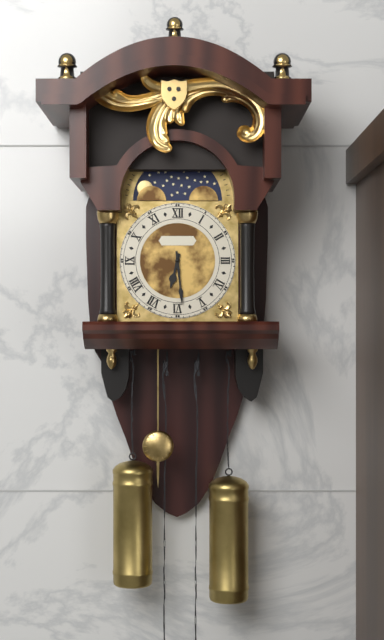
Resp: 6,29
